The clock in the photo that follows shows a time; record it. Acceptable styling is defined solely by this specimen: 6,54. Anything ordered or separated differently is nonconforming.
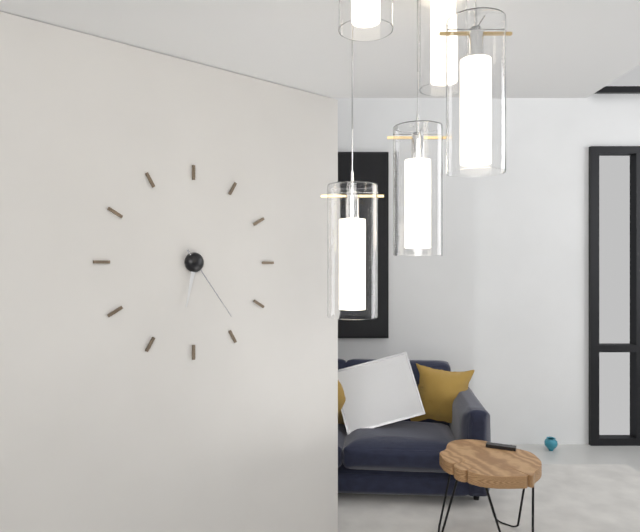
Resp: 6,24
